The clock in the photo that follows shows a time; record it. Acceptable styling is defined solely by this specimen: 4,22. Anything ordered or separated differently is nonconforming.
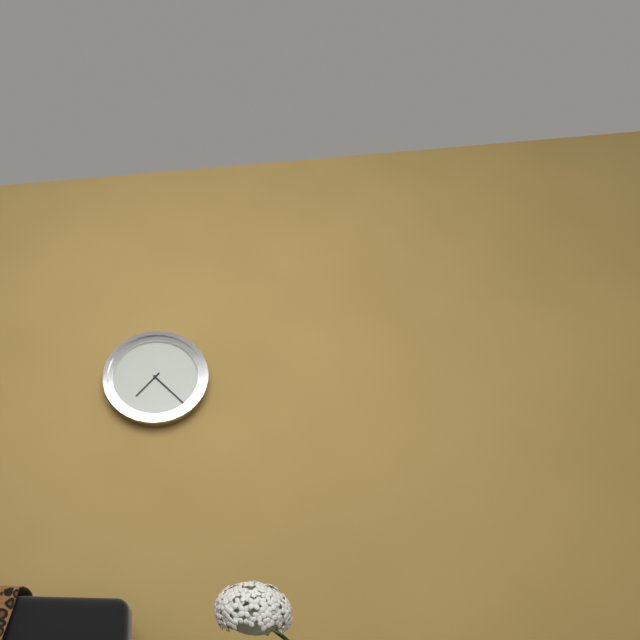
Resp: 7,23
